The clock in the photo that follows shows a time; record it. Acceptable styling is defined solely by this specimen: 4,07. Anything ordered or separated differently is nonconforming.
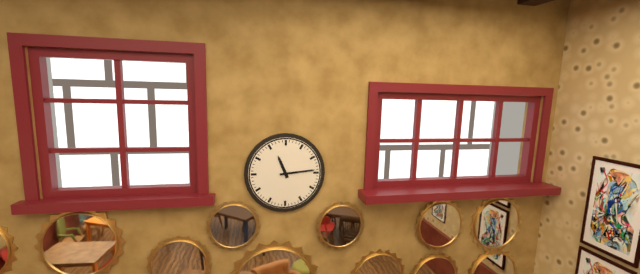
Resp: 11,14
